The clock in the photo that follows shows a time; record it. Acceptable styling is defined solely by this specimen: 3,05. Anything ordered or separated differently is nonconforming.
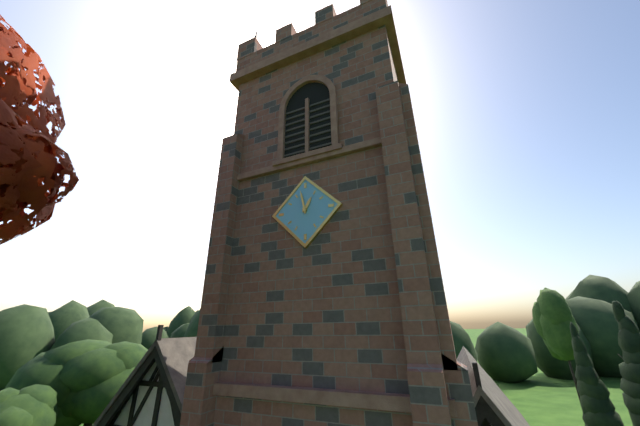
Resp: 12,58
